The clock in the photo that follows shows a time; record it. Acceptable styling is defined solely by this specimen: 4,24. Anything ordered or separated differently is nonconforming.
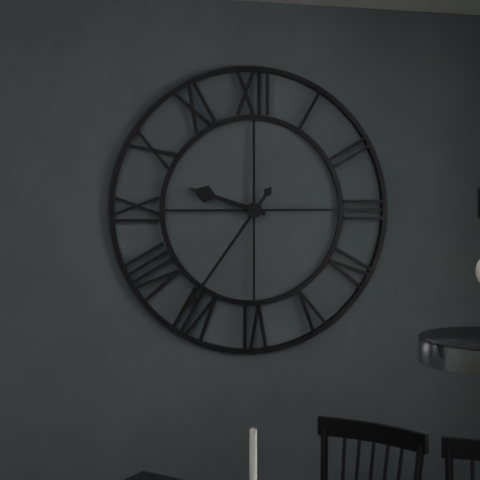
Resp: 9,36
